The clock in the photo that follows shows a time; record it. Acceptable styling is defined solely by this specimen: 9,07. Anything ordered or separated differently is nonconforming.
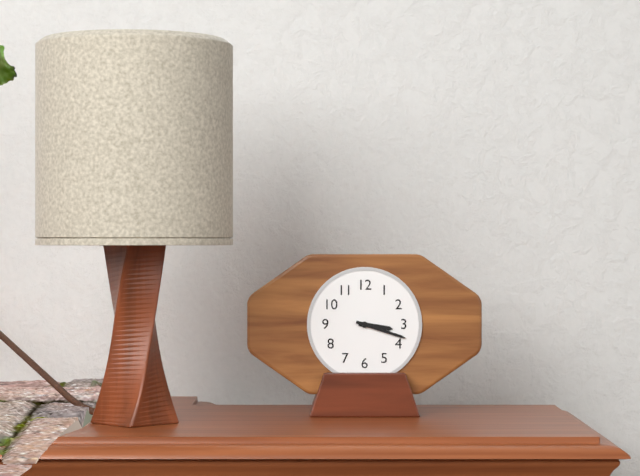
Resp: 3,18
